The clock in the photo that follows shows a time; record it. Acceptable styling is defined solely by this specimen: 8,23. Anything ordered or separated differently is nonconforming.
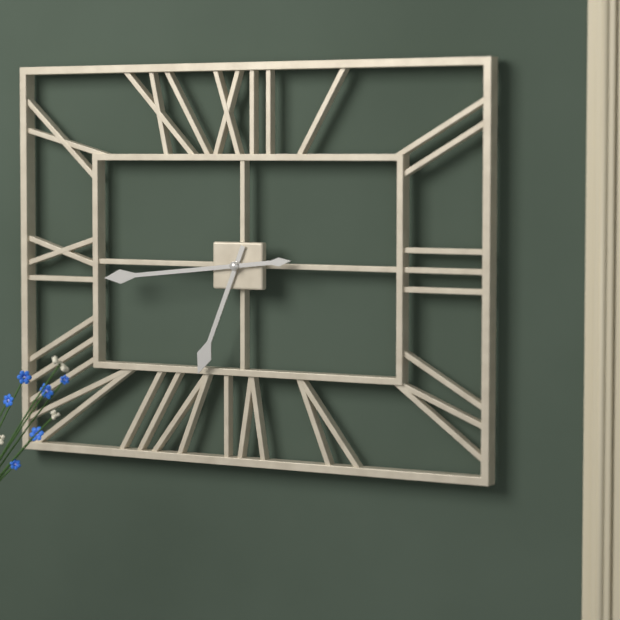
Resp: 6,44
